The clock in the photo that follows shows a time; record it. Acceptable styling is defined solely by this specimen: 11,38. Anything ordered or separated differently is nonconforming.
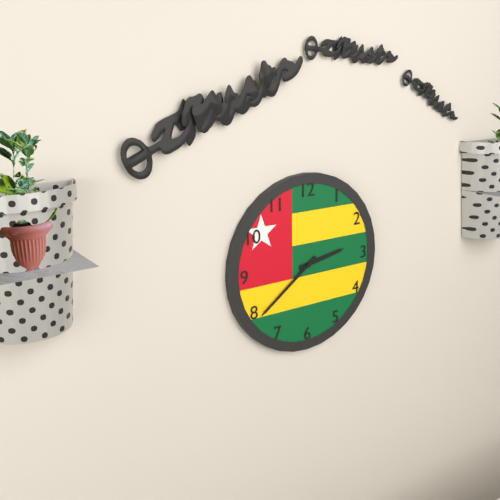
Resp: 2,39
